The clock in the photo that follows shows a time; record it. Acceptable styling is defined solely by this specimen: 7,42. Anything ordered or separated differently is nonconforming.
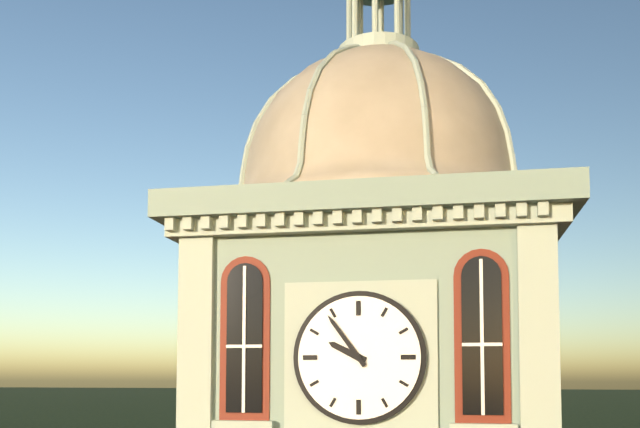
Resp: 9,54
